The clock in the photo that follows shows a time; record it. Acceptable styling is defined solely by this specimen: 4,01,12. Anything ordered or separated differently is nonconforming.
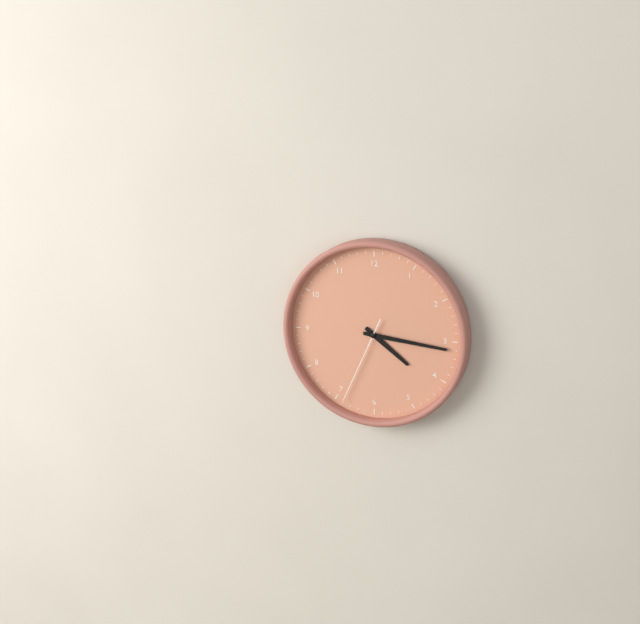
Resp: 4,16,34
